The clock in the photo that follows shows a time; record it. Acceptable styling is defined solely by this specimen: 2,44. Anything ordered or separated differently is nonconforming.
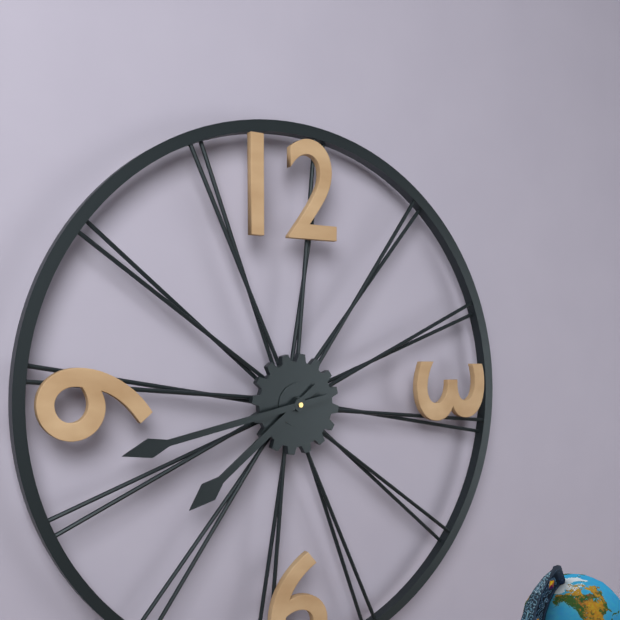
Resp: 7,43
